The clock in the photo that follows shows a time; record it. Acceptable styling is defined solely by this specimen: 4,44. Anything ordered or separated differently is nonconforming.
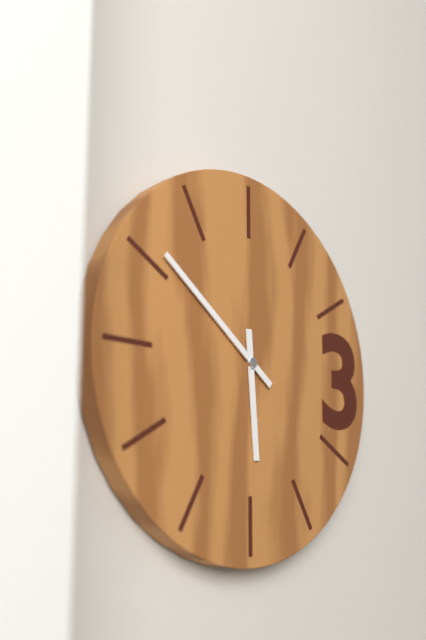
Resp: 5,51
